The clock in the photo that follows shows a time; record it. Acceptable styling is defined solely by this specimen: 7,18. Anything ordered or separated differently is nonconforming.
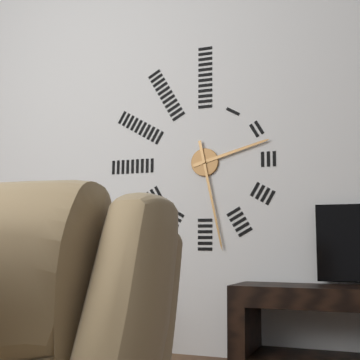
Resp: 2,28
